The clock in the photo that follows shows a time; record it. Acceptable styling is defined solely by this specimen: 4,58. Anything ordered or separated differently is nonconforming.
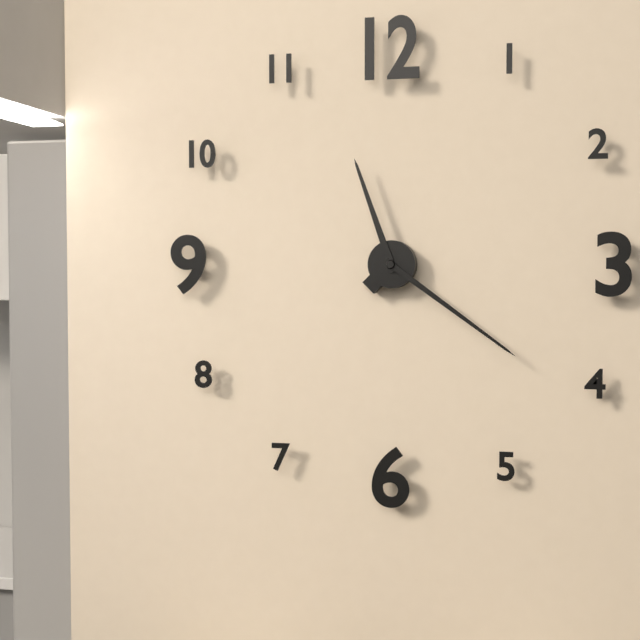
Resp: 11,21
